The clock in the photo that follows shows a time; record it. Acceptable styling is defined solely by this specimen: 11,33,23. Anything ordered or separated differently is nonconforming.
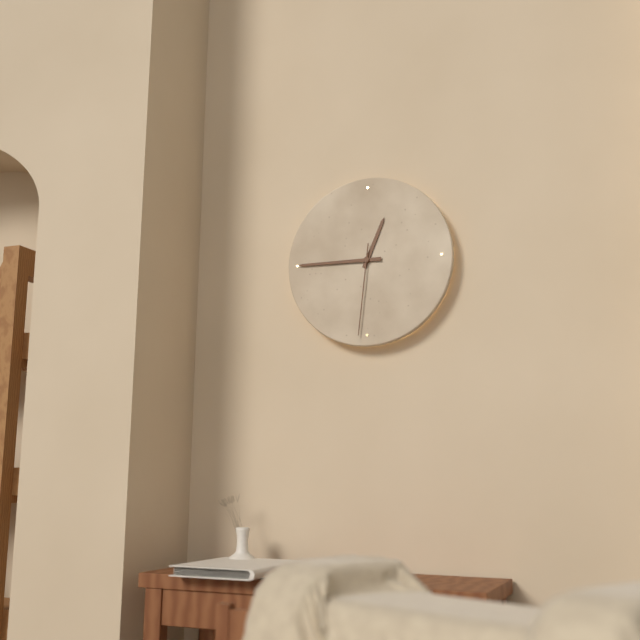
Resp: 12,45,31
